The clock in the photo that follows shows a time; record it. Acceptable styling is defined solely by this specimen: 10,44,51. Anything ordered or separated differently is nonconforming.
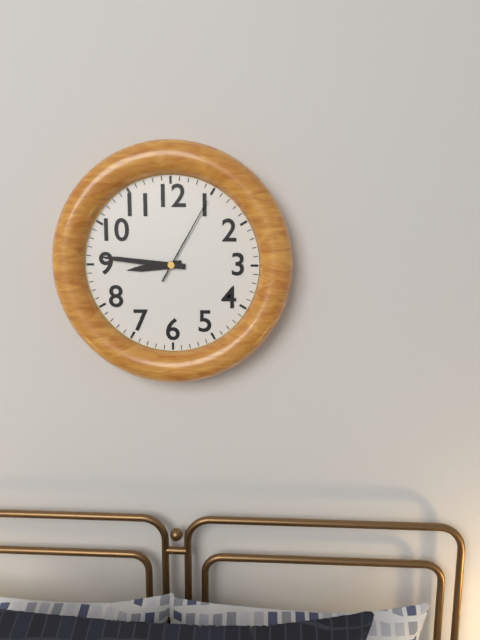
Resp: 8,46,05
